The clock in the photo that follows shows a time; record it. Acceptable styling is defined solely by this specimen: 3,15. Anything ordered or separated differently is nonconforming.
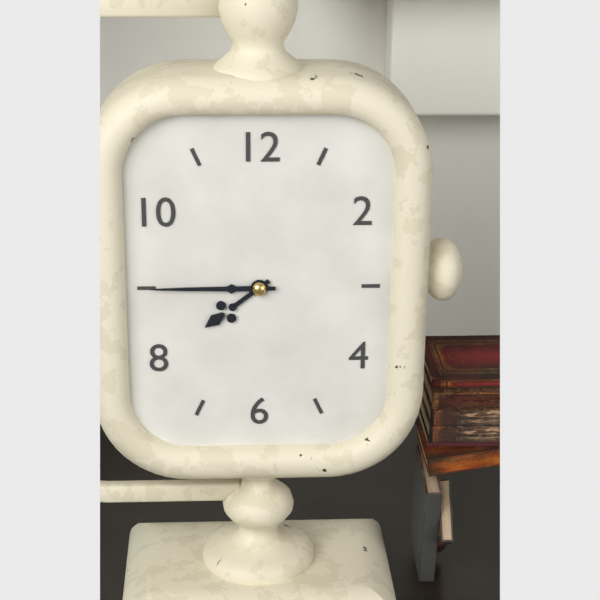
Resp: 7,45
